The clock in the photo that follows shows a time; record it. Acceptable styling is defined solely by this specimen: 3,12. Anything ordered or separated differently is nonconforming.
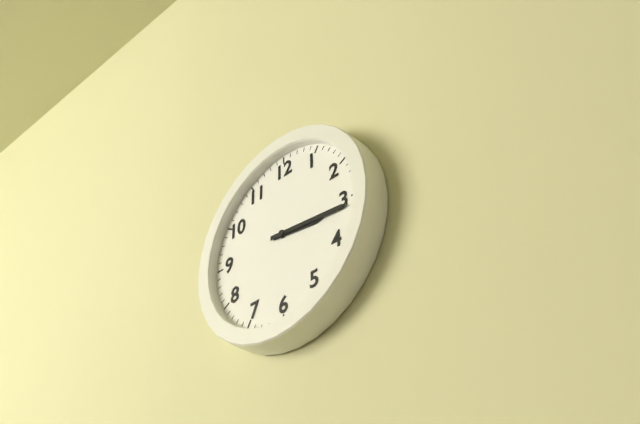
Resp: 3,16
